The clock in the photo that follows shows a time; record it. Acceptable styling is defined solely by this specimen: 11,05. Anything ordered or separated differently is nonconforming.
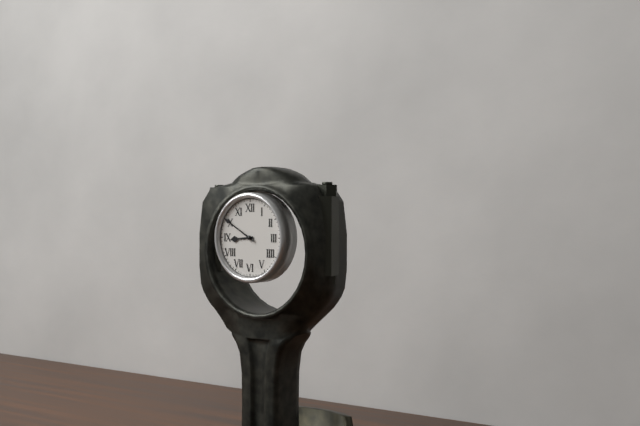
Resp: 8,50
